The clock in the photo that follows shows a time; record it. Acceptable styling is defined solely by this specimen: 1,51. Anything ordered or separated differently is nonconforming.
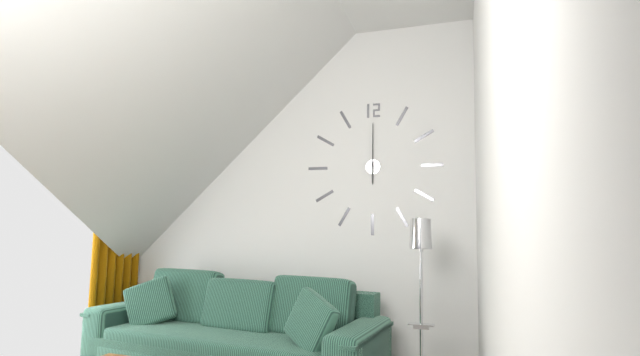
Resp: 6,00
